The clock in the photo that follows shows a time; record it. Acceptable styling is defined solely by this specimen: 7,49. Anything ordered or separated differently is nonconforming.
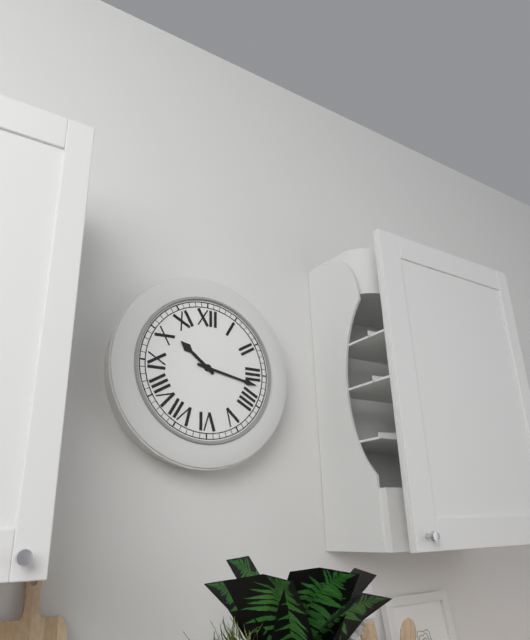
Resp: 10,17
